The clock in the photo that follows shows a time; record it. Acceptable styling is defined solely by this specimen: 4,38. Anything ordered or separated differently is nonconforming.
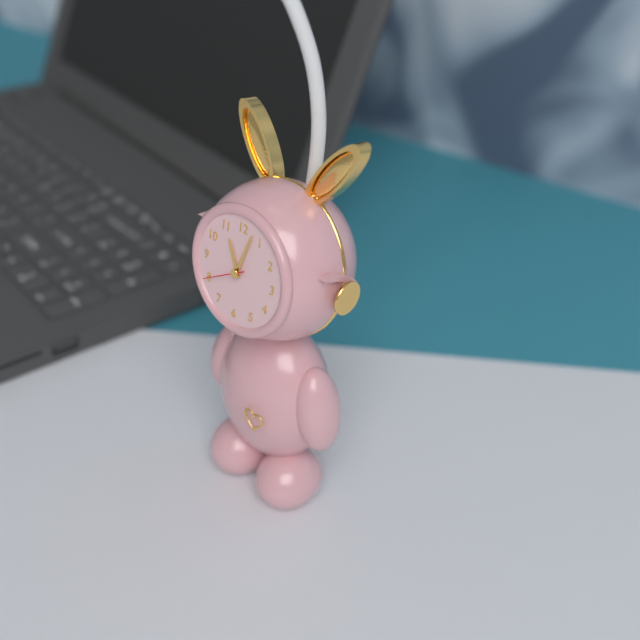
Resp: 11,03
